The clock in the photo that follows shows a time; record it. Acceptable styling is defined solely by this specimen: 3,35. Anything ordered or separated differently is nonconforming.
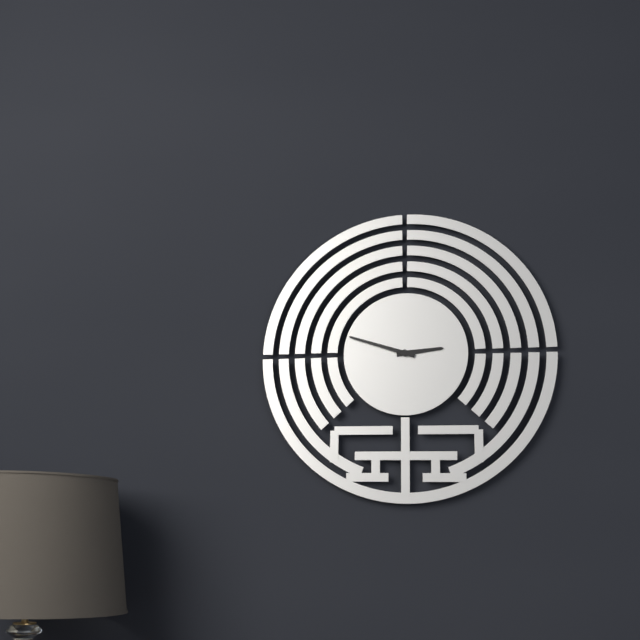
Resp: 2,48
